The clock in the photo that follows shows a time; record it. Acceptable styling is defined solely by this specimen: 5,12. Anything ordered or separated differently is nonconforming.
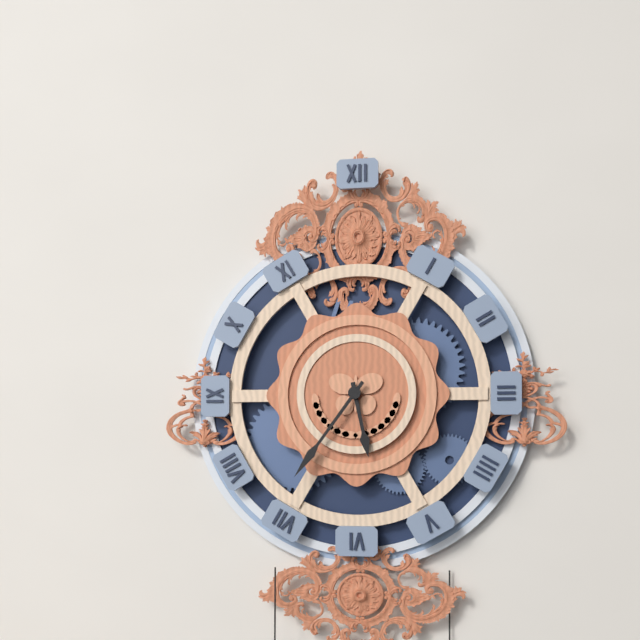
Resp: 5,36
